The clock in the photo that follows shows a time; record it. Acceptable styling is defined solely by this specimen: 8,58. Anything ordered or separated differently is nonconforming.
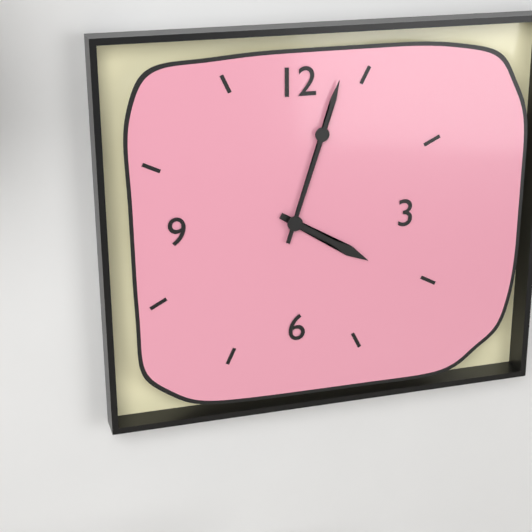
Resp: 4,03
